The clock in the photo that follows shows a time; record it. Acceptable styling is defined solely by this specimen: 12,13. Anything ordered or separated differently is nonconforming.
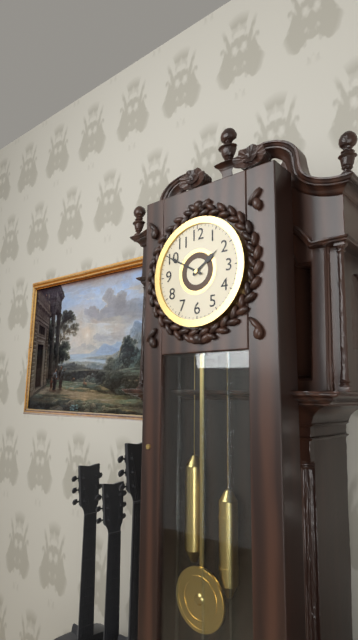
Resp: 1,50
